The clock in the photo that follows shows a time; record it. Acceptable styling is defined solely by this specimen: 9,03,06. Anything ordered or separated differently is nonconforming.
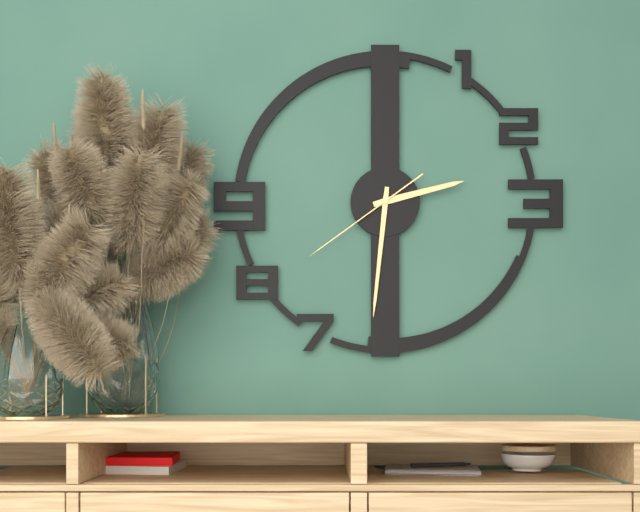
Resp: 2,31,39
